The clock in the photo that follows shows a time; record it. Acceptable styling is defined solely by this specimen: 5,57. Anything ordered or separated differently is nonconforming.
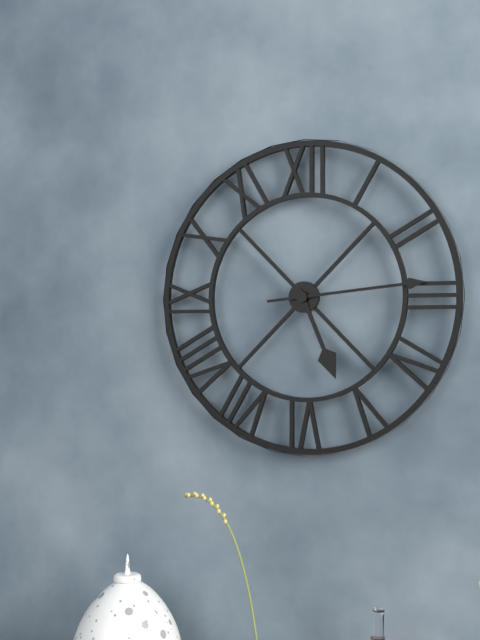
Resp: 5,14
